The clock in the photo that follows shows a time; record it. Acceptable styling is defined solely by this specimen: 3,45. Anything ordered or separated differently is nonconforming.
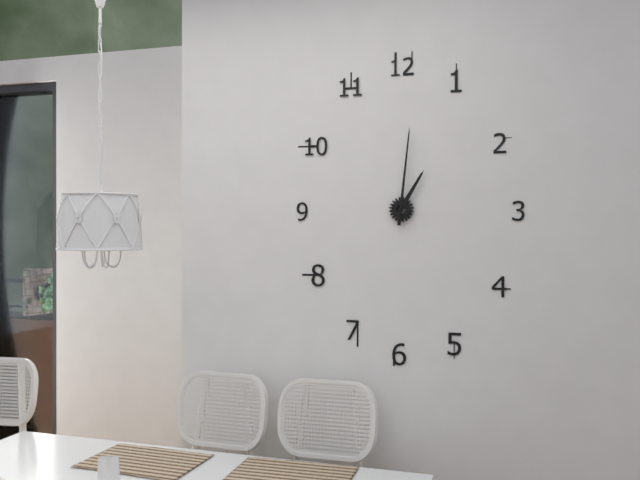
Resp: 1,01
